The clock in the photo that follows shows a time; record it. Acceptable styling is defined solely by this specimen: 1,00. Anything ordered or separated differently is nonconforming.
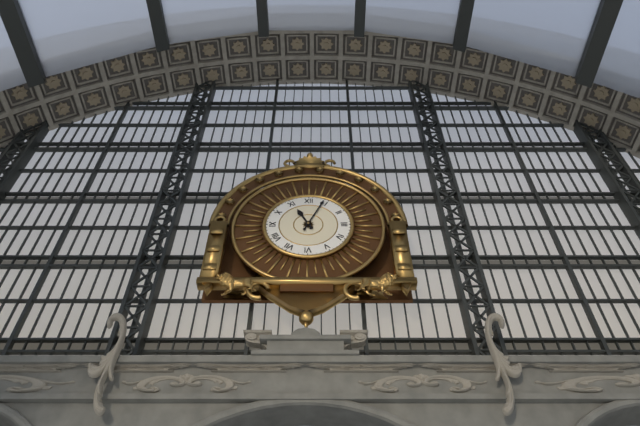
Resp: 11,04
